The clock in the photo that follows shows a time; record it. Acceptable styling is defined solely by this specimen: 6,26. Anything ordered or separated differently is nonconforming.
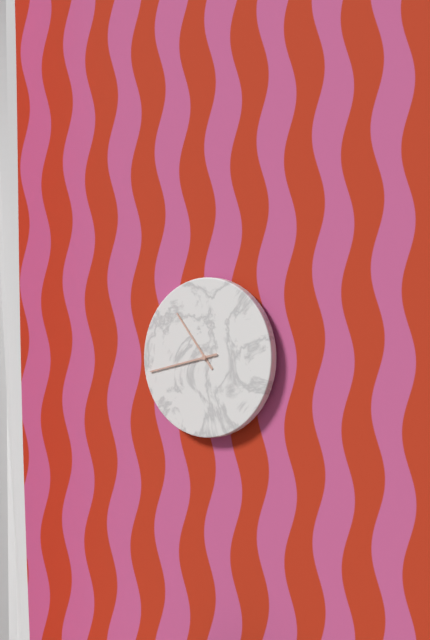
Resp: 10,43
